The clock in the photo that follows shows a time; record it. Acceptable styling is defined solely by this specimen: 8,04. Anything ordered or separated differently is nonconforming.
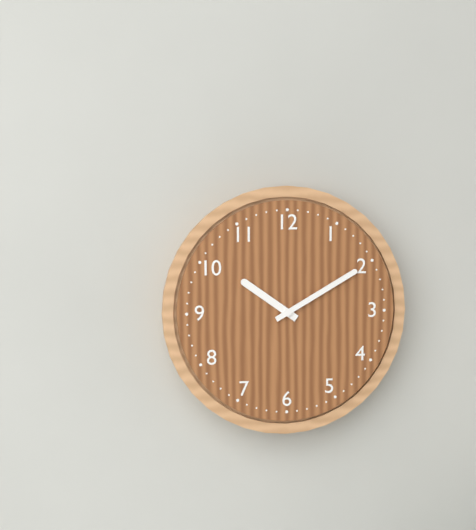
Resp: 10,10
